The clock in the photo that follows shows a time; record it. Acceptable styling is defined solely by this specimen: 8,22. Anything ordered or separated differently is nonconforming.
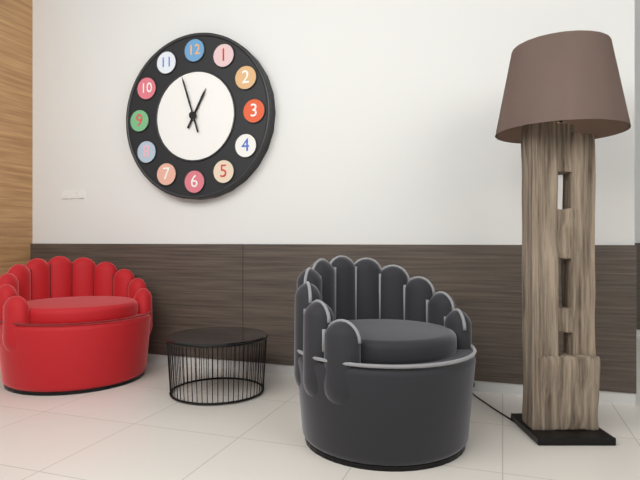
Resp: 12,57
